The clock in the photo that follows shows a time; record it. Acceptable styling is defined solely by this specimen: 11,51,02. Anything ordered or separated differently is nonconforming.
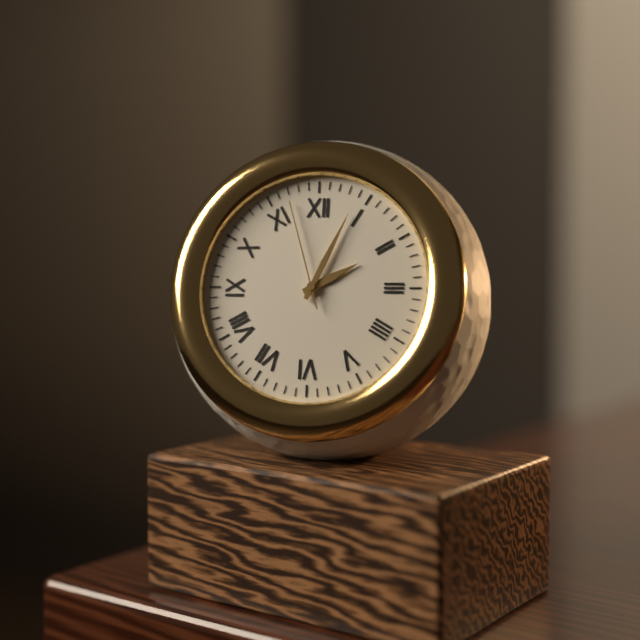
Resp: 2,04,57
